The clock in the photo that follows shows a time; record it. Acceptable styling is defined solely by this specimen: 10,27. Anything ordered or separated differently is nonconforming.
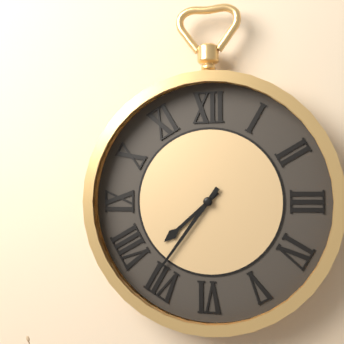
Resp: 7,36
